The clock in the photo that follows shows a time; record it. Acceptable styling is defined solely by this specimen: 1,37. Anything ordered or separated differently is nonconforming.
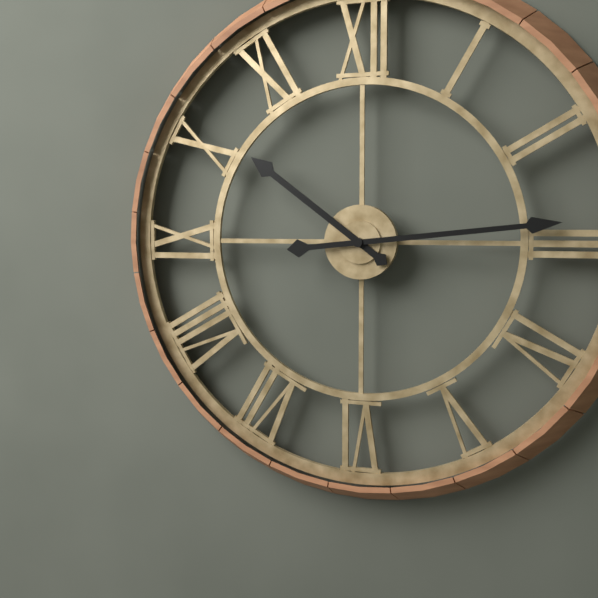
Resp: 10,14
